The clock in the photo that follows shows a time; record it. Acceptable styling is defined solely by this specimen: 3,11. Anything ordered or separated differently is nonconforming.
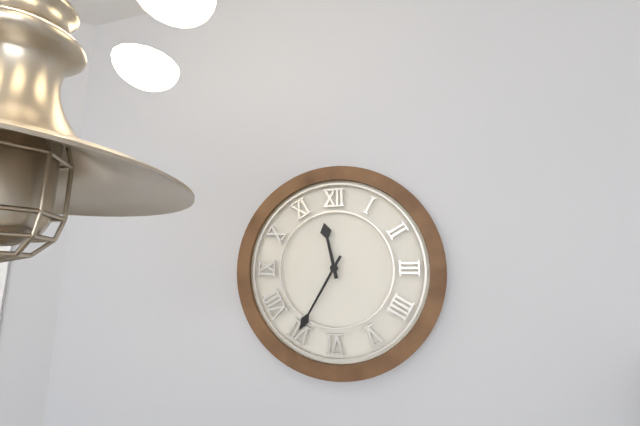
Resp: 11,35
